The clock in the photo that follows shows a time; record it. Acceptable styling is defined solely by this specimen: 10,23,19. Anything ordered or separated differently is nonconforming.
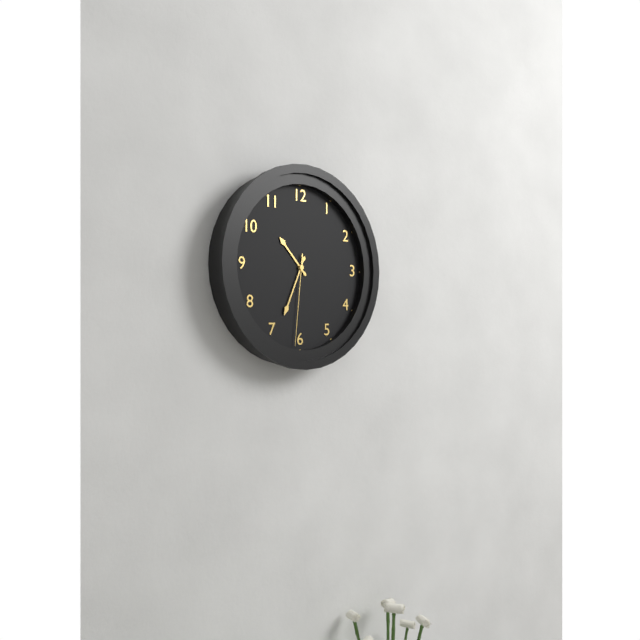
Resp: 10,34,31
